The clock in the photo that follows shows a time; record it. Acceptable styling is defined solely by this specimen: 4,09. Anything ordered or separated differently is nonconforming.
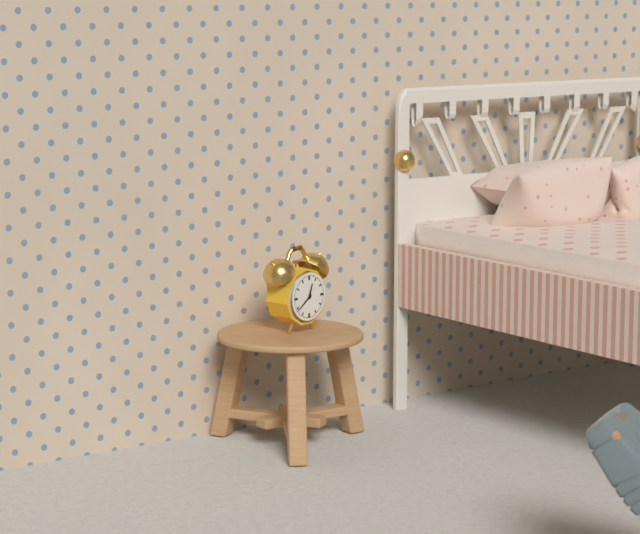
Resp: 12,39
